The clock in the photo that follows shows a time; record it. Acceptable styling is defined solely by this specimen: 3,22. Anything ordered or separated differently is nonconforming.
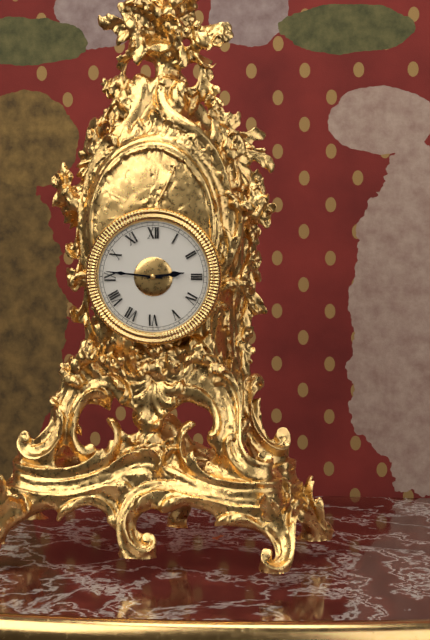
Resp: 2,46
